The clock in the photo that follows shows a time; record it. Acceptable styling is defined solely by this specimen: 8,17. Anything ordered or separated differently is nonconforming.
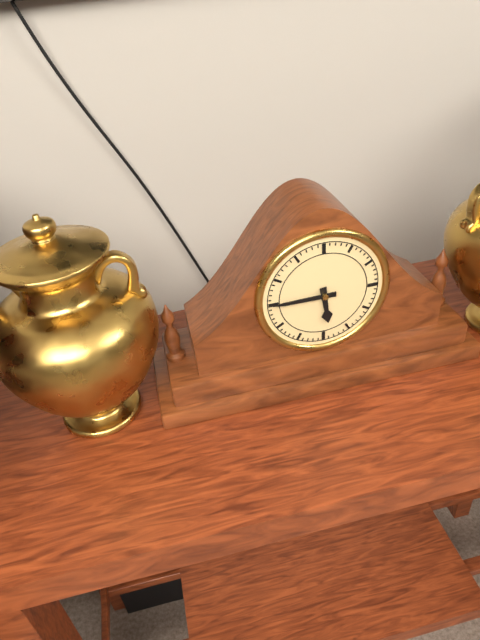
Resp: 5,45
